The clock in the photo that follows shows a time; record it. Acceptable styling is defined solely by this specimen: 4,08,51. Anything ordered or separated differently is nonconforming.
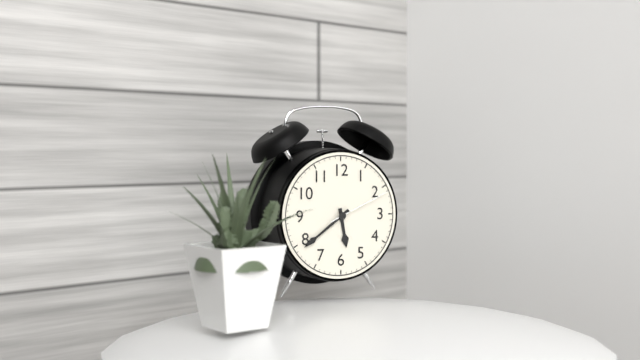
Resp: 5,39,11
